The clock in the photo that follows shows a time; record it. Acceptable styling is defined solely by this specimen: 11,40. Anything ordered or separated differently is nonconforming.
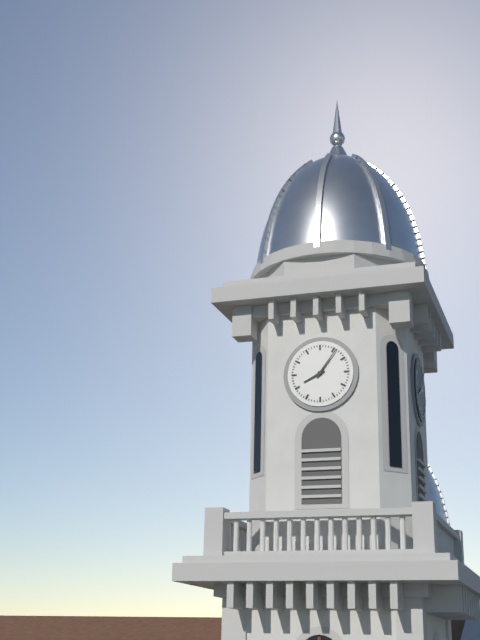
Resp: 8,06
